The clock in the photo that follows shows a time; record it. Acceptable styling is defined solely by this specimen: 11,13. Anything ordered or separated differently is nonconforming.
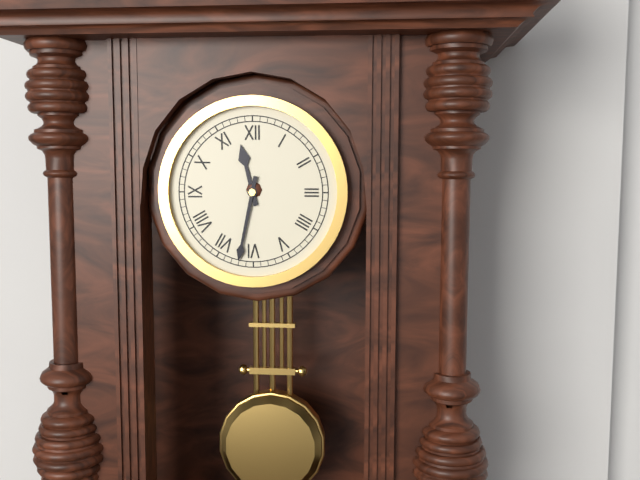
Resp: 11,32
